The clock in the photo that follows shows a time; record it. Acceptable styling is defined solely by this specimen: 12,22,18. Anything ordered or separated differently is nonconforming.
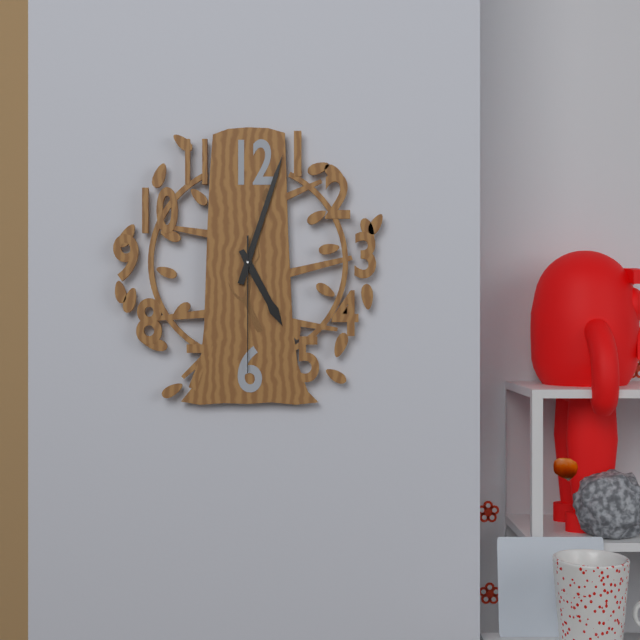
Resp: 5,03,30
